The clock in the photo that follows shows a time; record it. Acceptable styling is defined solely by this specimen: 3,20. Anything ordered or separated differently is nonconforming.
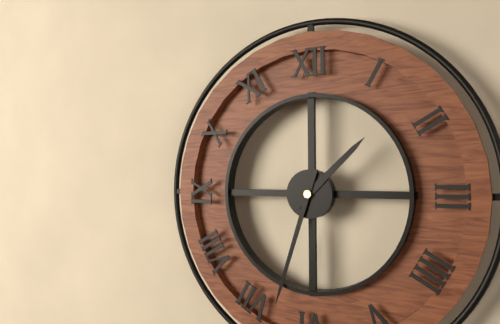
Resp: 1,33
